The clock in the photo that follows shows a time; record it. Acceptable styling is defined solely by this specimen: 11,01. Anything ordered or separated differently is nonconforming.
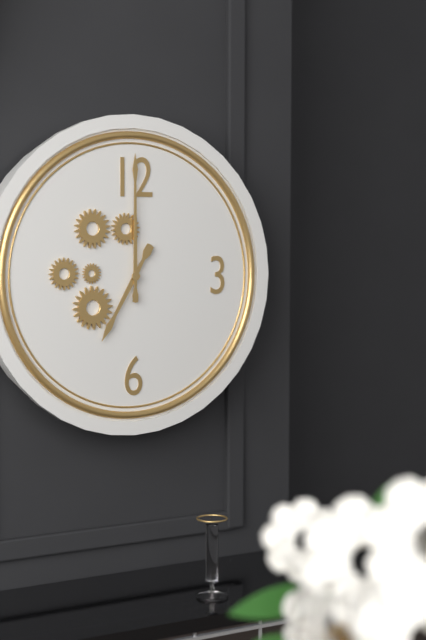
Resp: 7,00
